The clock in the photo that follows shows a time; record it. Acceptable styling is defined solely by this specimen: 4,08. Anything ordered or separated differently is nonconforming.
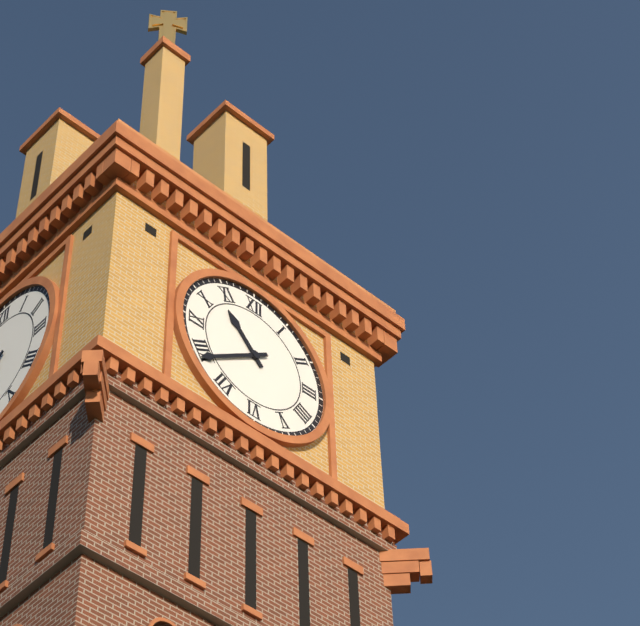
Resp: 10,39
